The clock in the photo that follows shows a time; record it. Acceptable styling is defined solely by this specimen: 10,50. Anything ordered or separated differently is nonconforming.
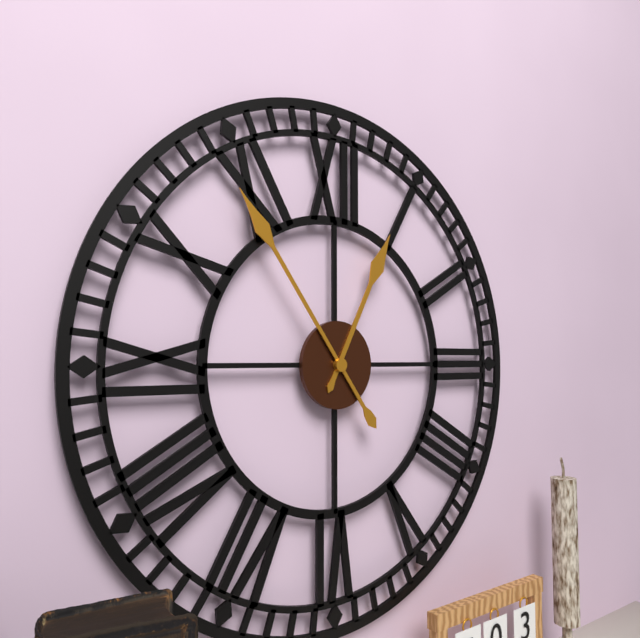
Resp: 12,54
